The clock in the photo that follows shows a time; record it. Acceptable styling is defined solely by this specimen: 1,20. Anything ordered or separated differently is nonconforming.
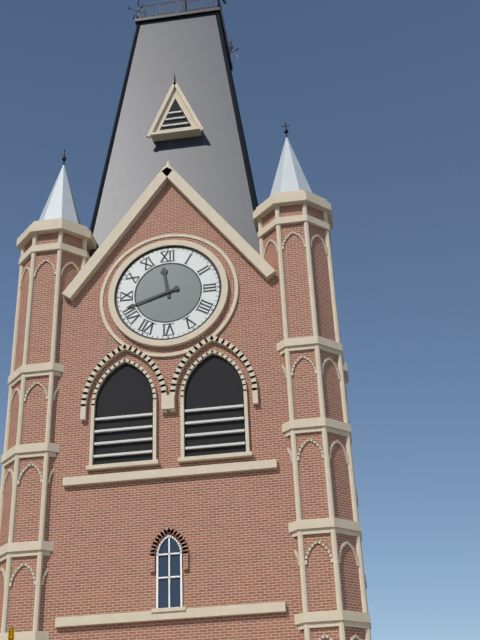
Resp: 11,42
